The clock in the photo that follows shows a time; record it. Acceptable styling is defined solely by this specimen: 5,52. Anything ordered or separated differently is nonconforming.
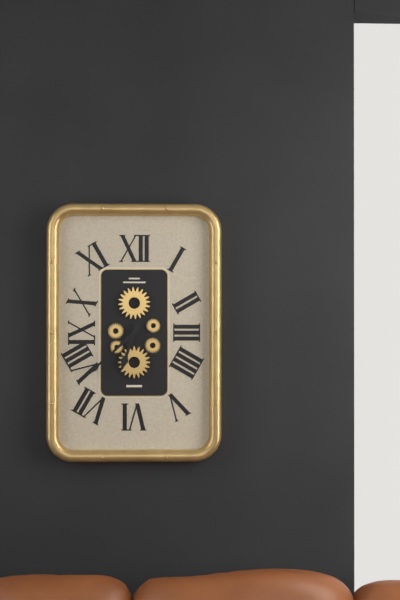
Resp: 6,38
